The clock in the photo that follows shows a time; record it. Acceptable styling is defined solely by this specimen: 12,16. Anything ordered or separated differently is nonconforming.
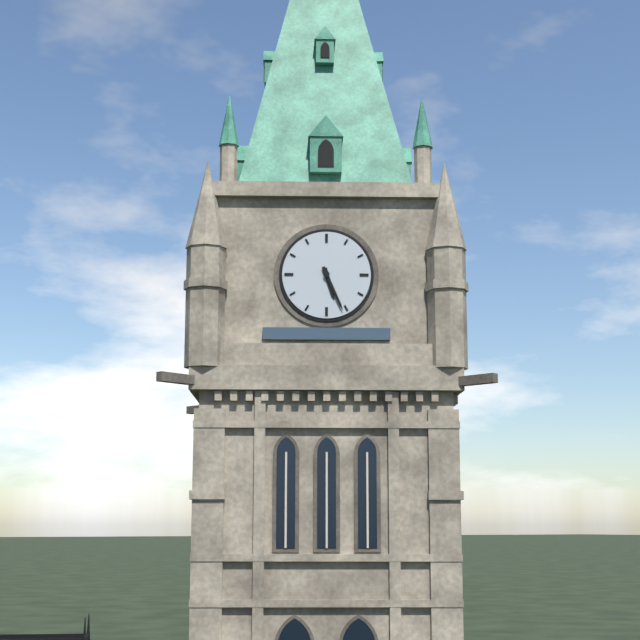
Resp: 5,26
